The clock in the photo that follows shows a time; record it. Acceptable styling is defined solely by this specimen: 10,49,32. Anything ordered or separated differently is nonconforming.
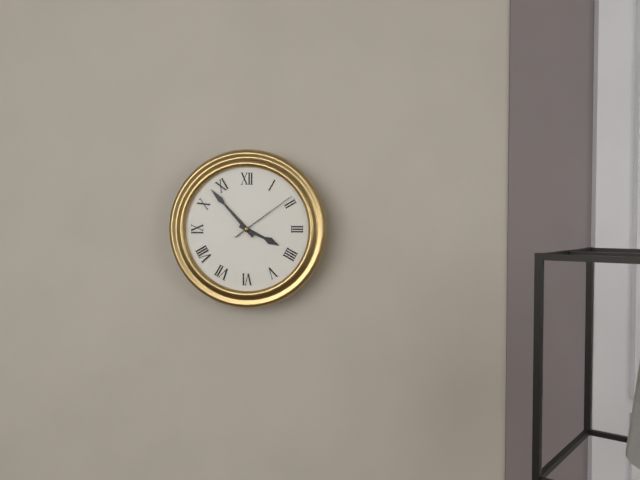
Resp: 3,53,09
